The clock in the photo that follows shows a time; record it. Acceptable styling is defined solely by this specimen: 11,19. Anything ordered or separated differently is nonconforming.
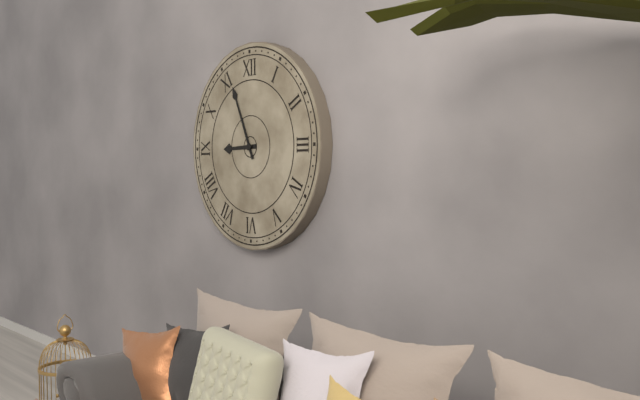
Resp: 8,56
